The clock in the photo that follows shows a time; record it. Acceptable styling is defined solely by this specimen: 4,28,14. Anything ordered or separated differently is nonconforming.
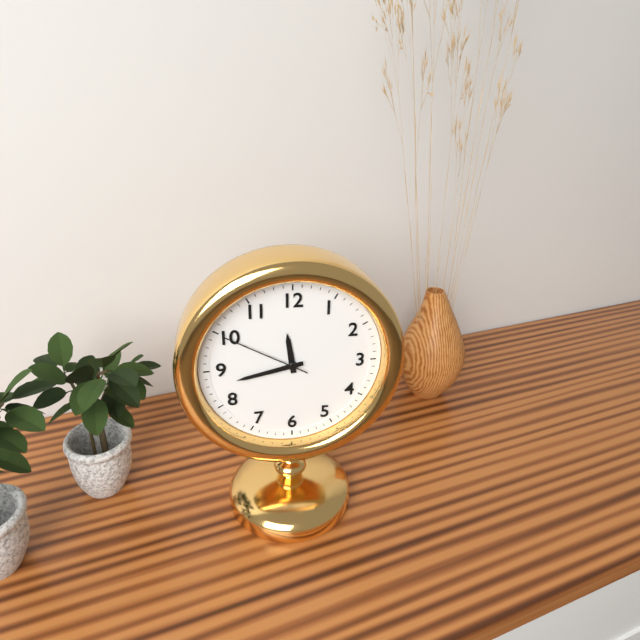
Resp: 11,43,50
